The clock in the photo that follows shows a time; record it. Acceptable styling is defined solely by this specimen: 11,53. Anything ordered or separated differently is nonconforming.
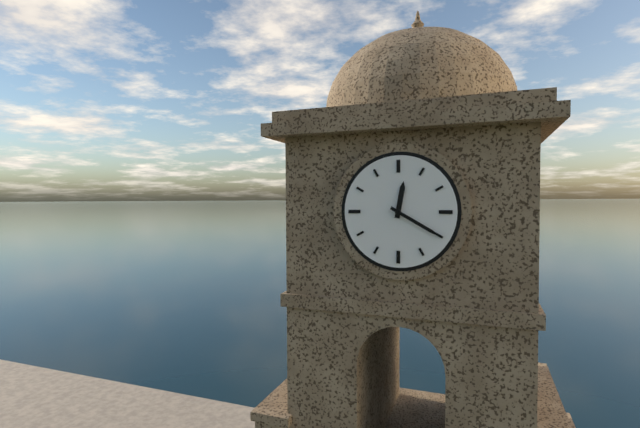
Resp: 12,20
